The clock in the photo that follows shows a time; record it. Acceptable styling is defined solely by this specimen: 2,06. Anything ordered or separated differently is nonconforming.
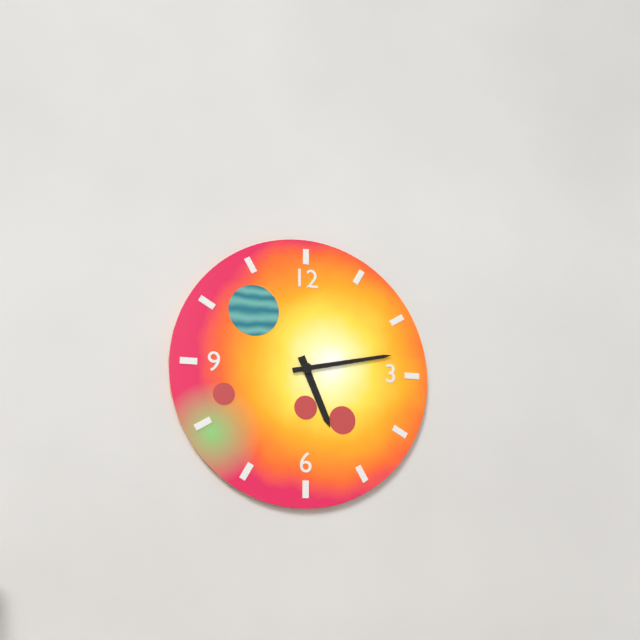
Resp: 5,13
